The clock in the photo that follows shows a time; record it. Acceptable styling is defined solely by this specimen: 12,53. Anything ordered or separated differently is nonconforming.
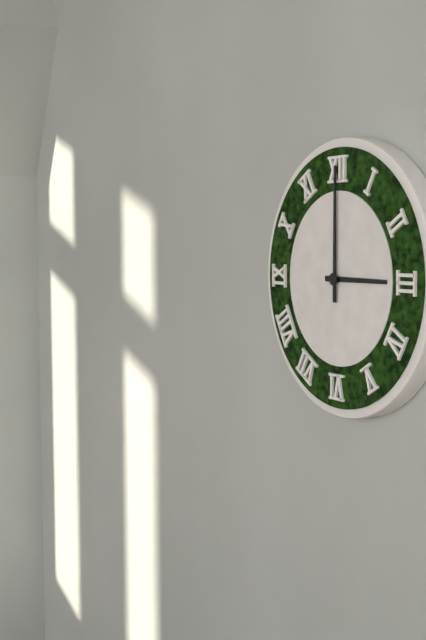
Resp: 3,00
